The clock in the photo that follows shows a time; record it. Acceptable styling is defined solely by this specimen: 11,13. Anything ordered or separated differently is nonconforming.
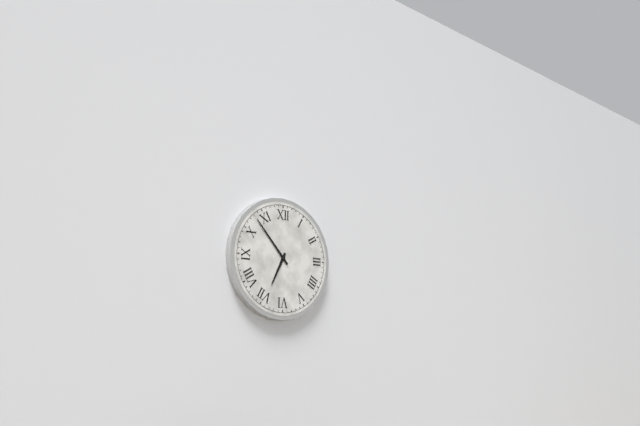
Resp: 6,53
